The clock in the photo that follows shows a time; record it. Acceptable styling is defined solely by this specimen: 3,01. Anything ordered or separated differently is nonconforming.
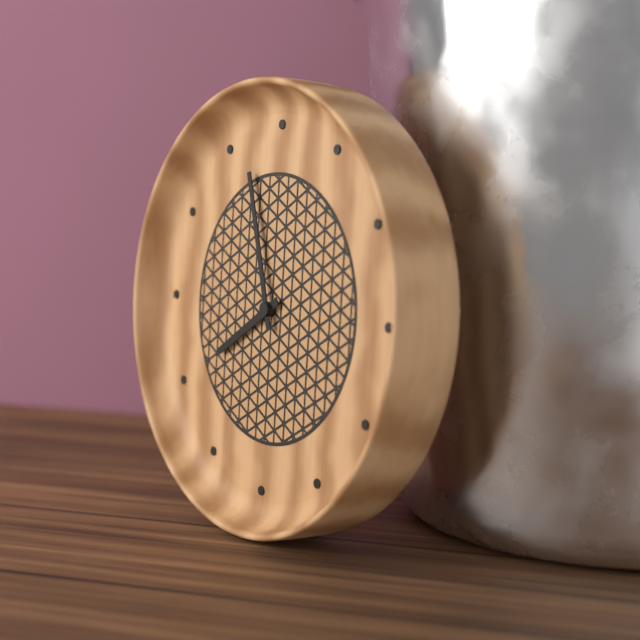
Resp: 7,57
